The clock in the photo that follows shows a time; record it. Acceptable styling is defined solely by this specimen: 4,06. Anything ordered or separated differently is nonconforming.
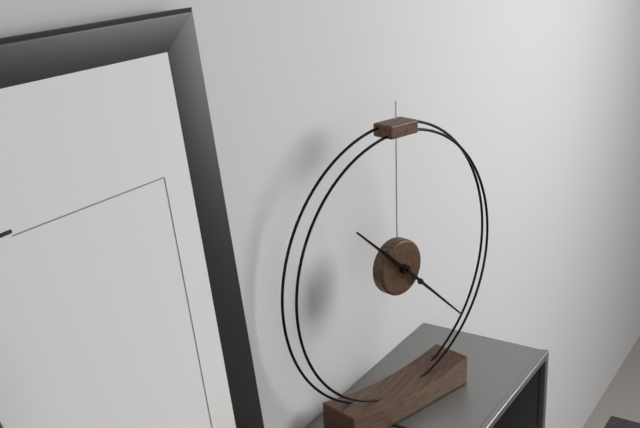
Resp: 10,22
